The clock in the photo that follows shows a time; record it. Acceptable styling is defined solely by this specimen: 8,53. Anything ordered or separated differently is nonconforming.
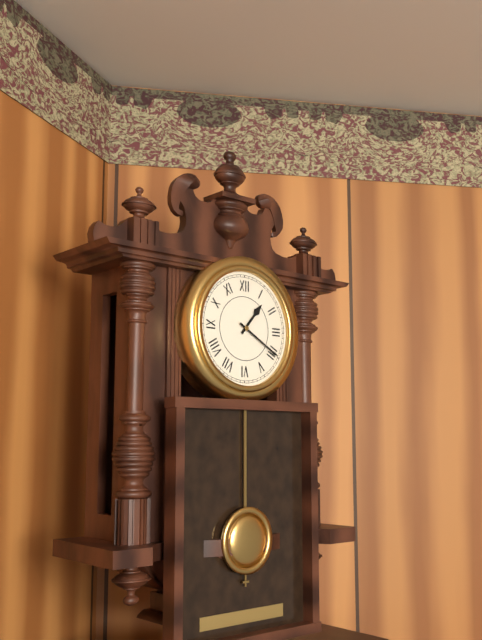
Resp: 1,20
